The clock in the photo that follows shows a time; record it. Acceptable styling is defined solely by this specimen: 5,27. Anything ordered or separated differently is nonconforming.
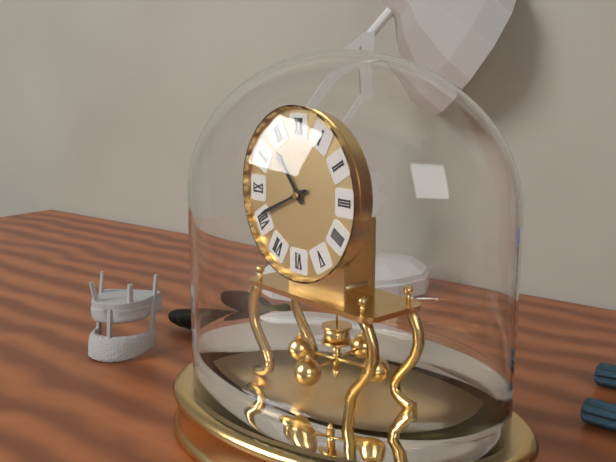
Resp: 10,41
